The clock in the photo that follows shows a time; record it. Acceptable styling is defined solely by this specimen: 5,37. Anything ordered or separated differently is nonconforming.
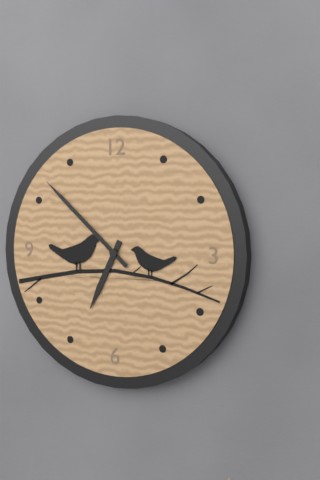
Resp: 6,52
